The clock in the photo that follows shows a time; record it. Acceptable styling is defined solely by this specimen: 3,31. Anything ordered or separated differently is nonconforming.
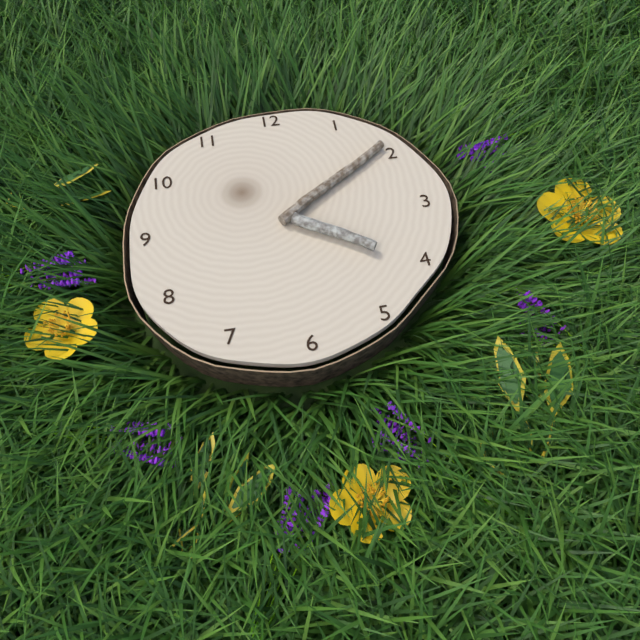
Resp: 4,09
